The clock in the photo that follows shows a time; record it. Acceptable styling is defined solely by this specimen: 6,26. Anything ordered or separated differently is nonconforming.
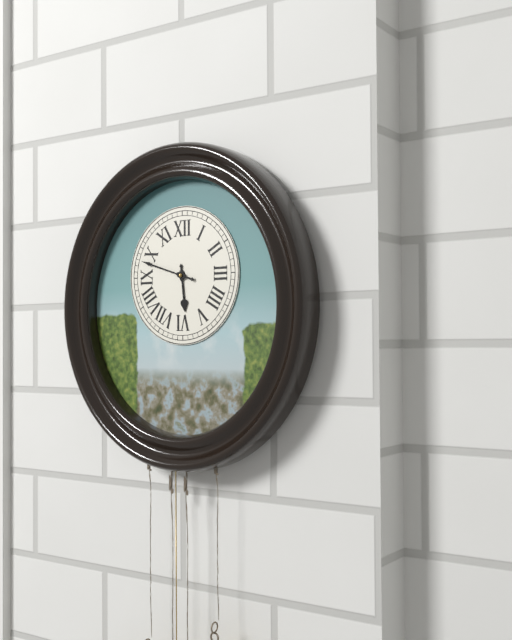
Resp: 5,48
